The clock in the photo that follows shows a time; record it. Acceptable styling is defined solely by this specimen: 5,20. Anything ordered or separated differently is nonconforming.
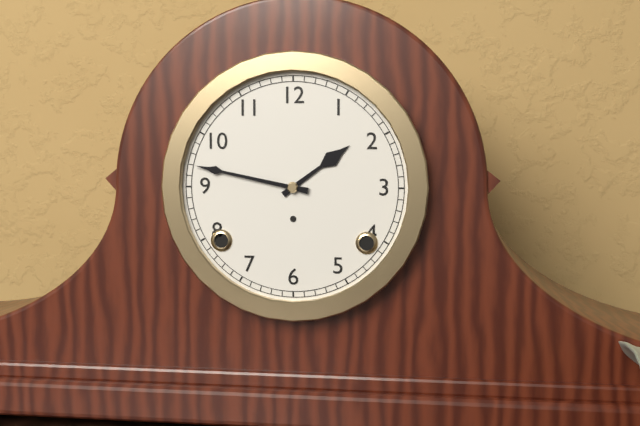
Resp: 1,47
